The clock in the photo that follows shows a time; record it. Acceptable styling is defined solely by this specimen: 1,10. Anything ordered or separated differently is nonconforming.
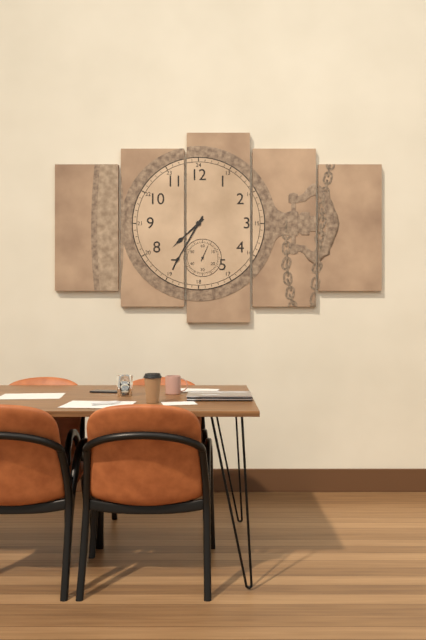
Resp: 7,35
